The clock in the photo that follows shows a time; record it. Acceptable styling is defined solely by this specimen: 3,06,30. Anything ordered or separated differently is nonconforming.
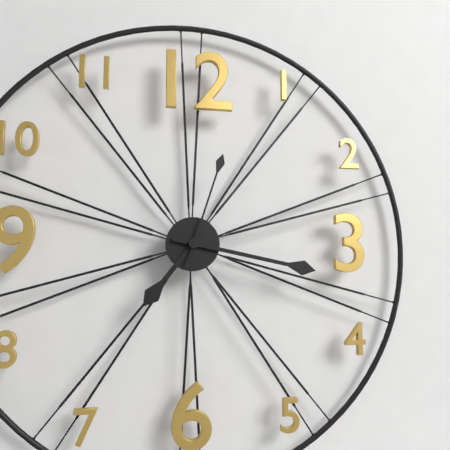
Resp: 7,17,03
